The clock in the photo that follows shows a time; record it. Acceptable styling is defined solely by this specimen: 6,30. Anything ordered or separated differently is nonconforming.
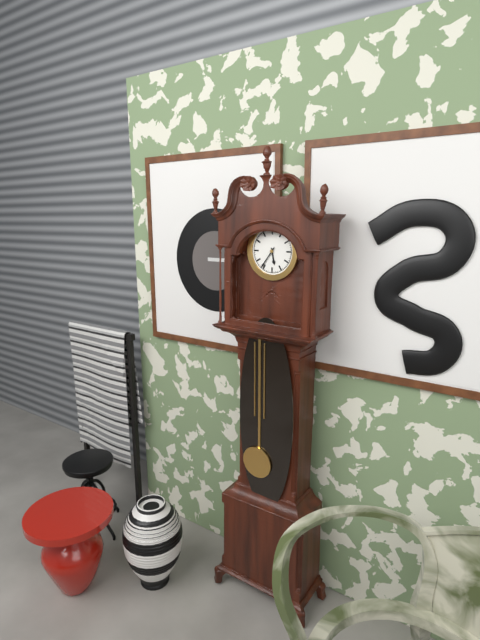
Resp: 5,36
